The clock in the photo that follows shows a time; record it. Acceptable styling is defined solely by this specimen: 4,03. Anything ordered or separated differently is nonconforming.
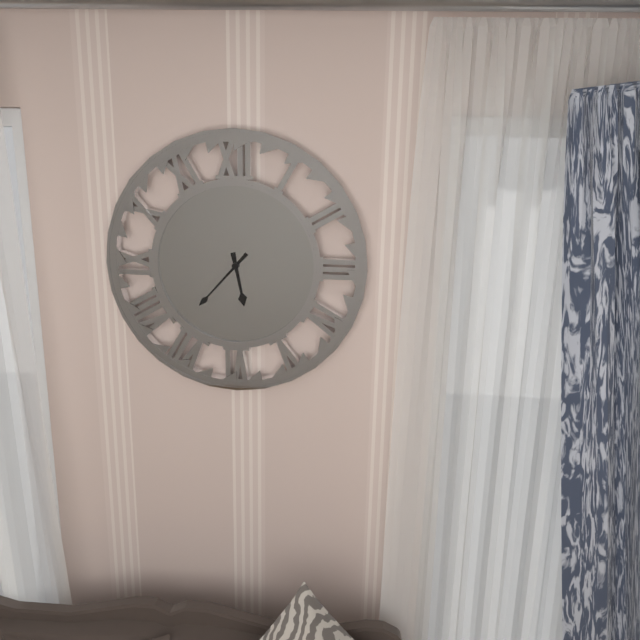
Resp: 5,37
